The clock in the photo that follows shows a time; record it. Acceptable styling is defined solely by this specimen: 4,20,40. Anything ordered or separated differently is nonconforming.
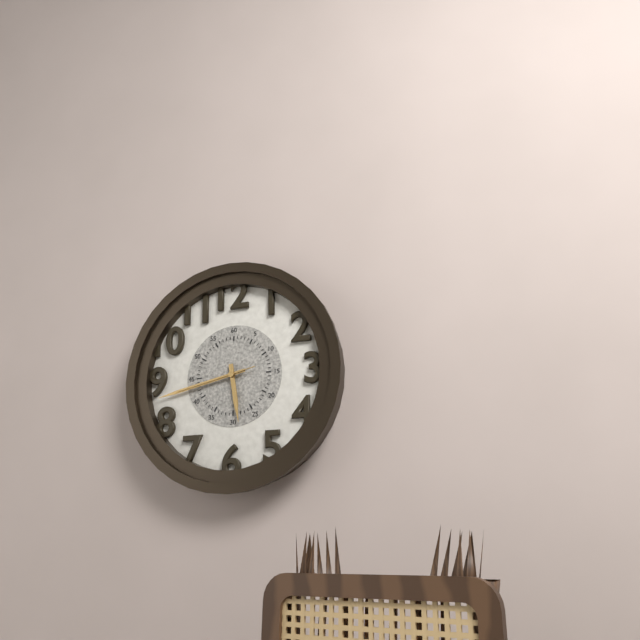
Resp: 5,43,43
